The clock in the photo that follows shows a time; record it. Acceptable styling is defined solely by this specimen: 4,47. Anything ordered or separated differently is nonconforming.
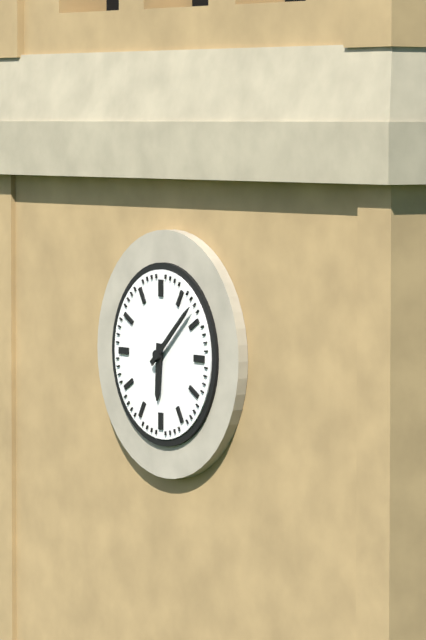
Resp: 6,08
